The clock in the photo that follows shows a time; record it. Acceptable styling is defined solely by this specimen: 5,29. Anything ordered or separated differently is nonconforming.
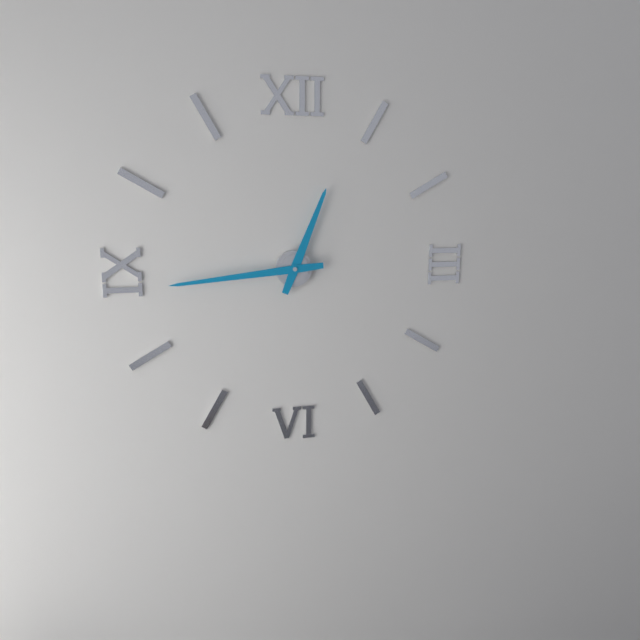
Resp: 12,44
